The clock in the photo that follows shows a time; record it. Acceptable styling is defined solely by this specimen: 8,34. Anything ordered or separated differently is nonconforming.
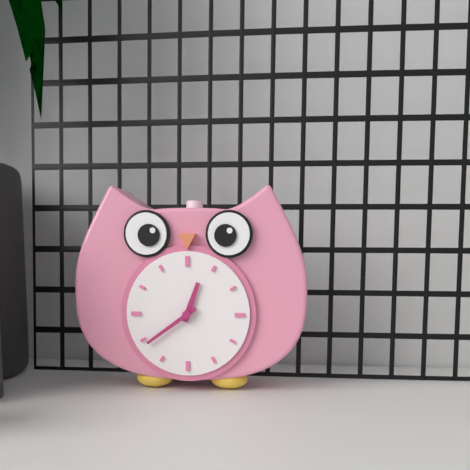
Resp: 12,39
